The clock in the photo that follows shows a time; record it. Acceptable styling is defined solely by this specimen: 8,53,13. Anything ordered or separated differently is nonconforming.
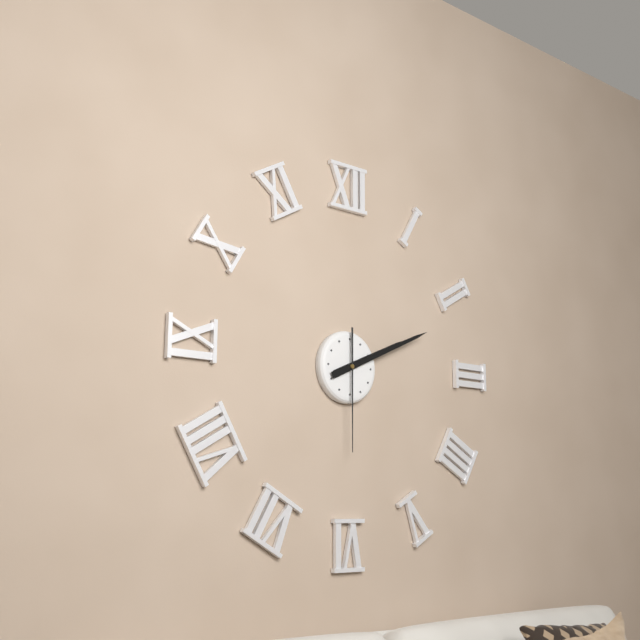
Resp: 2,11,30
